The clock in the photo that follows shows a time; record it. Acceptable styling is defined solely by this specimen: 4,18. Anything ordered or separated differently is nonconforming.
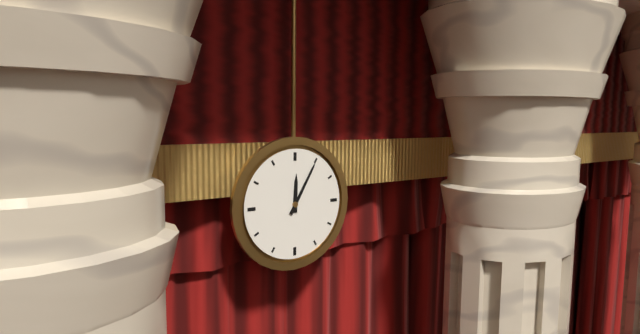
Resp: 12,05
